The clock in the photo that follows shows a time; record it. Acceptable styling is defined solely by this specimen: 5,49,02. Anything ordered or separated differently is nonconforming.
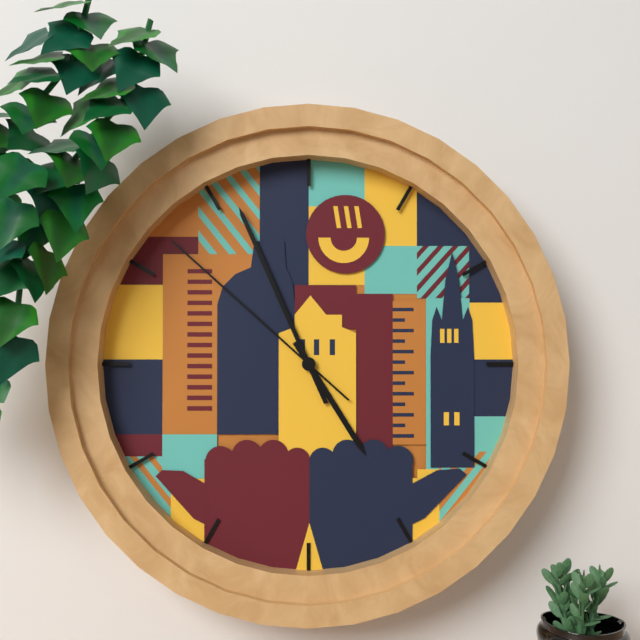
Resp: 4,56,52
